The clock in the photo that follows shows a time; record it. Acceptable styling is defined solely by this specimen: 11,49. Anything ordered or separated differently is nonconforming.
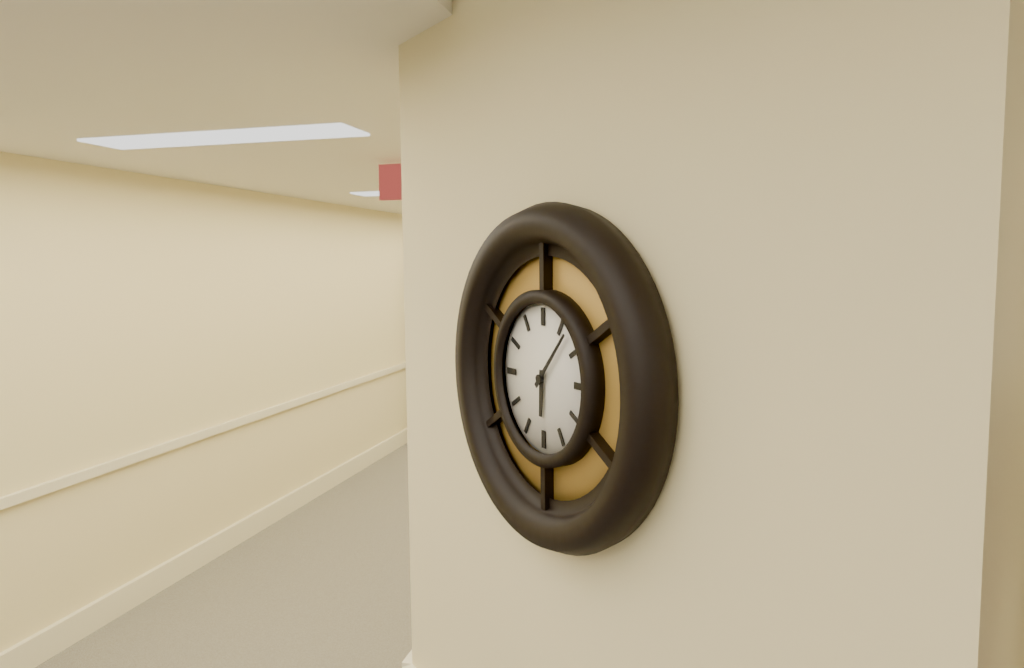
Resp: 6,07
